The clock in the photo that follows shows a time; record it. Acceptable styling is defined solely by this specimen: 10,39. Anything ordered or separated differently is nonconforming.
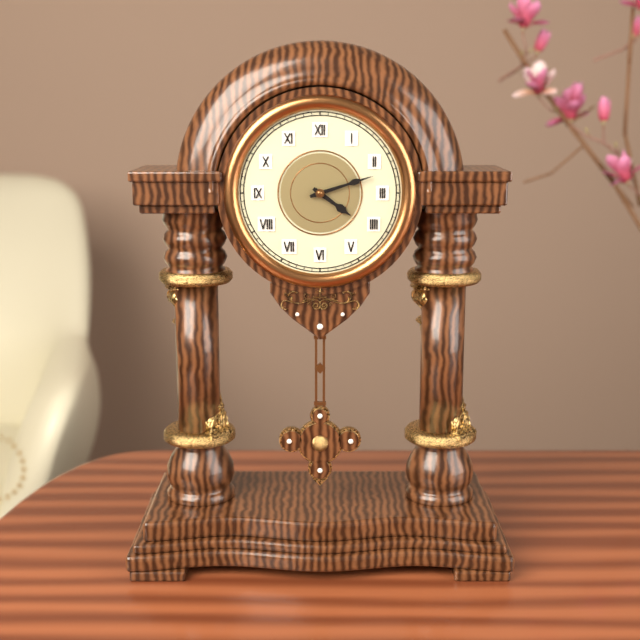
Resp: 4,12
